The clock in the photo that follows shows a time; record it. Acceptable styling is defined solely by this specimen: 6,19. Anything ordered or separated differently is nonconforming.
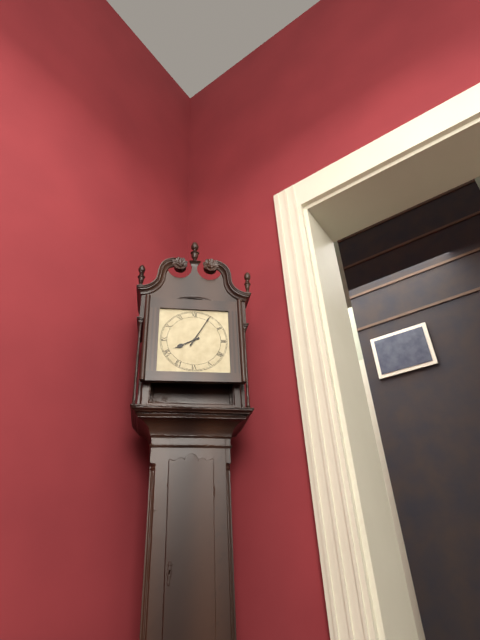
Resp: 8,05
